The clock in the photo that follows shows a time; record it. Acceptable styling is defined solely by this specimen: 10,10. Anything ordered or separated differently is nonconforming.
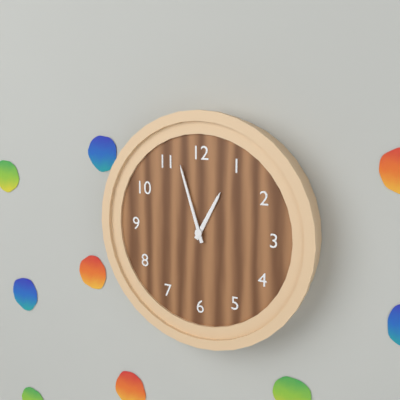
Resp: 12,57
